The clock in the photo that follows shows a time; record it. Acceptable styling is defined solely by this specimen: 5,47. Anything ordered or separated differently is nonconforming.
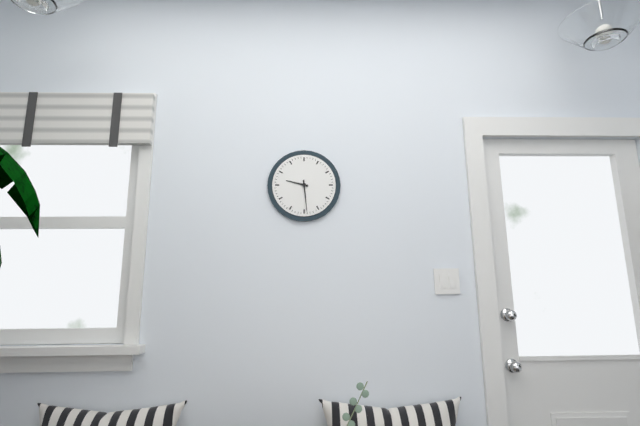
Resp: 9,29
